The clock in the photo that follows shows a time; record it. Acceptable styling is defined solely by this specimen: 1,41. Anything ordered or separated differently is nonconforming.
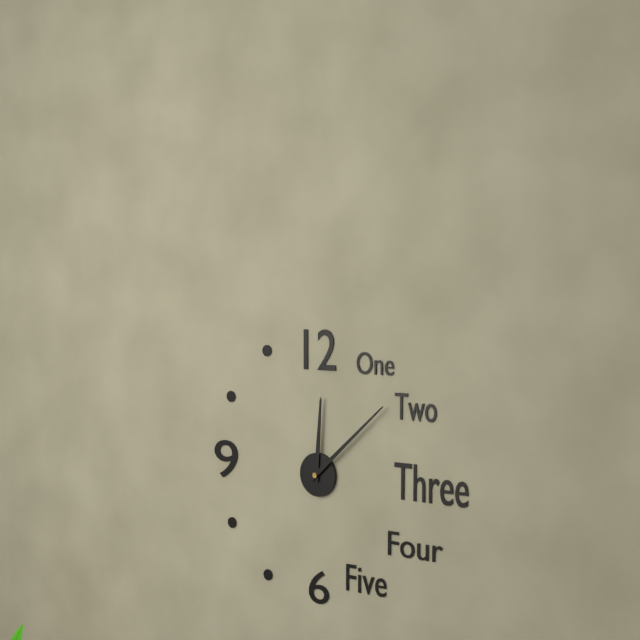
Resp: 12,08
